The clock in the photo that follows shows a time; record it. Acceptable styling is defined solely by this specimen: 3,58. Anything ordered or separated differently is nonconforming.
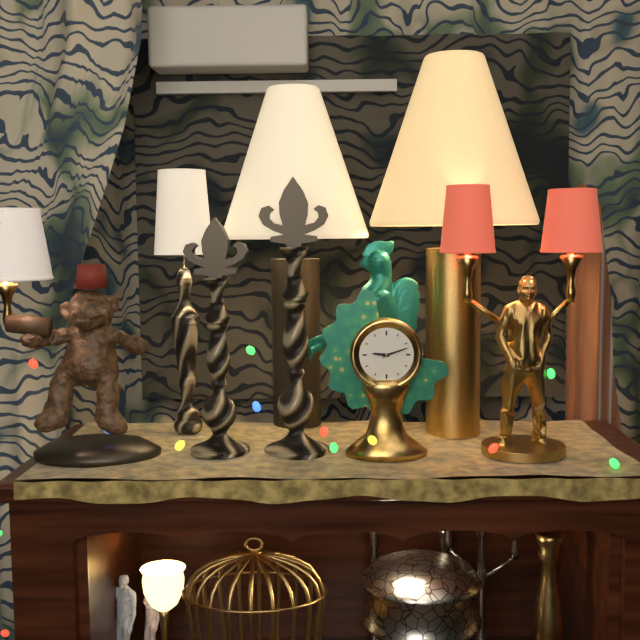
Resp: 9,12
